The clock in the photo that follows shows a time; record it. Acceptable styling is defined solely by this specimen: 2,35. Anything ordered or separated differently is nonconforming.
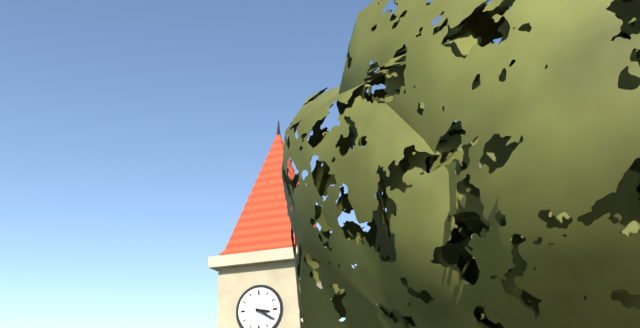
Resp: 3,20
